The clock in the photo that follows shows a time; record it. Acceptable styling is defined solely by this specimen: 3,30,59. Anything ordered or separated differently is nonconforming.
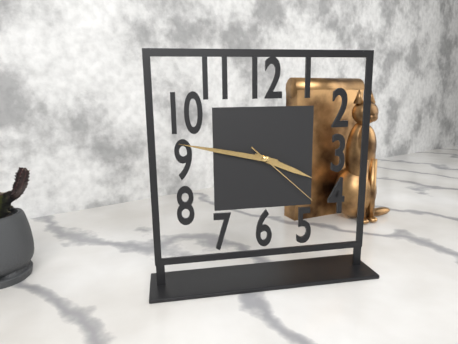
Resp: 3,47,22
